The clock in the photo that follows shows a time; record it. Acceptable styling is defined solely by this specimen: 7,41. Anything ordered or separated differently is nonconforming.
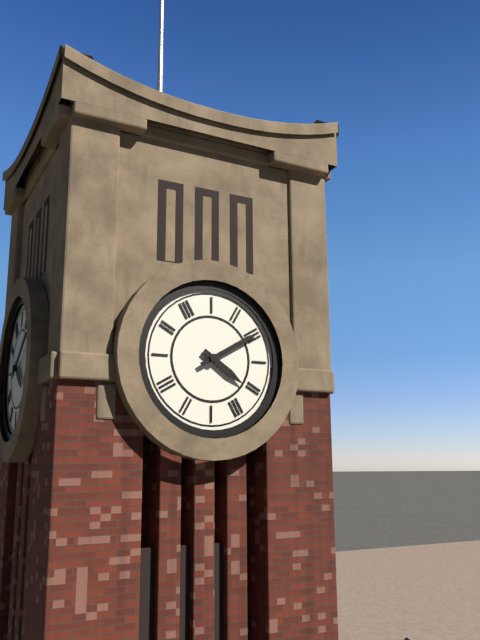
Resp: 4,10
